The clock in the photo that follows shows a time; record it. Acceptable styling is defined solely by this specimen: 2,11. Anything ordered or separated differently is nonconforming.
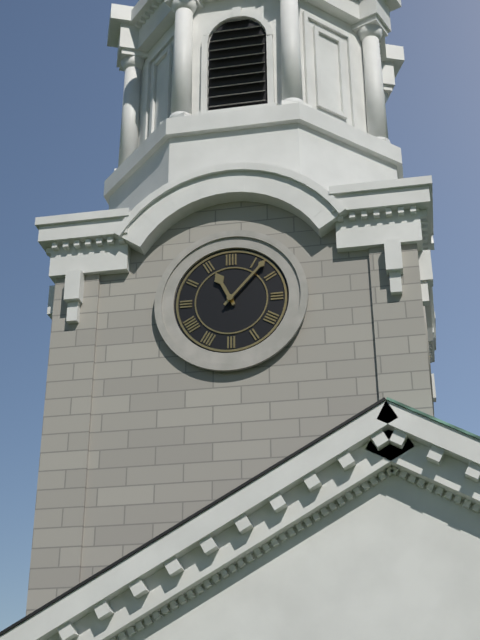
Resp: 11,07
